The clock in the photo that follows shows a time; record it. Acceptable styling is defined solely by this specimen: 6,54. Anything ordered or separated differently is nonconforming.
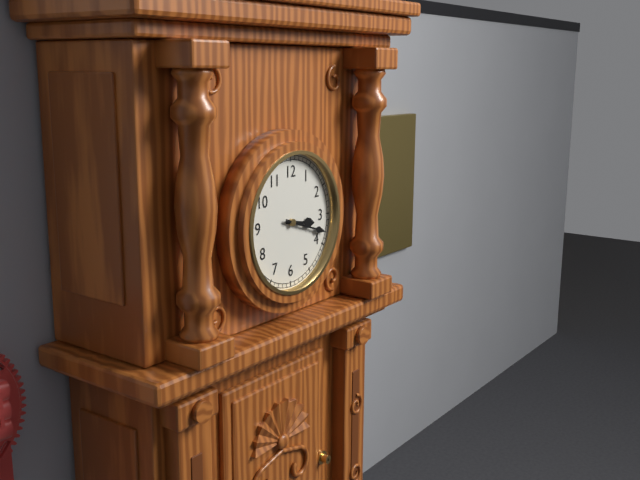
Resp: 3,18
